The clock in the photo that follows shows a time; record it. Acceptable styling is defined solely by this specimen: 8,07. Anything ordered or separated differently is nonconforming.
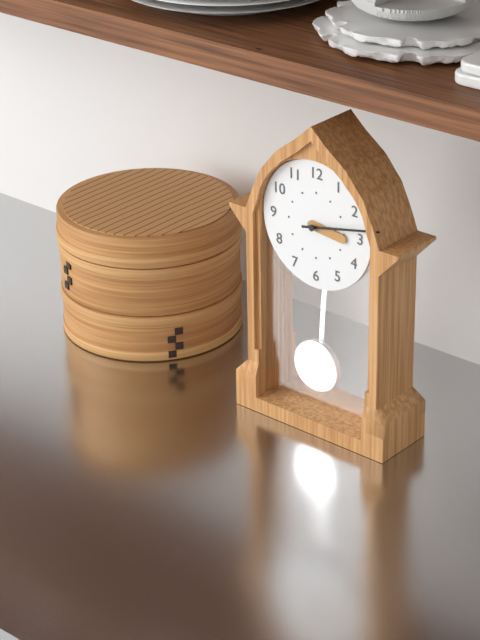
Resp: 3,13
